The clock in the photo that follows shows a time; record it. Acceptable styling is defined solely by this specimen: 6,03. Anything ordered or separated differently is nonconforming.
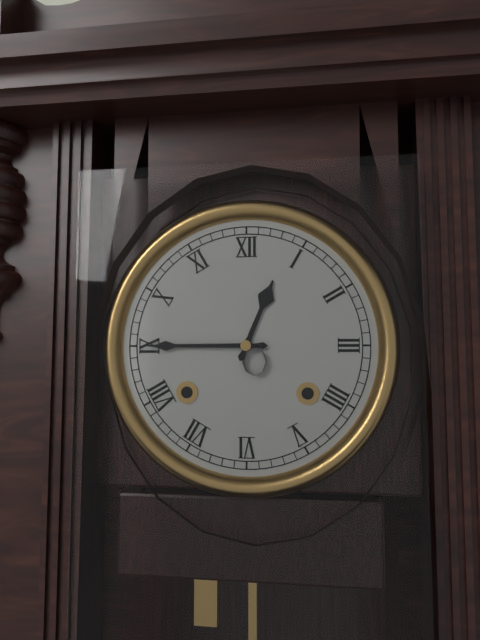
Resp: 12,45
